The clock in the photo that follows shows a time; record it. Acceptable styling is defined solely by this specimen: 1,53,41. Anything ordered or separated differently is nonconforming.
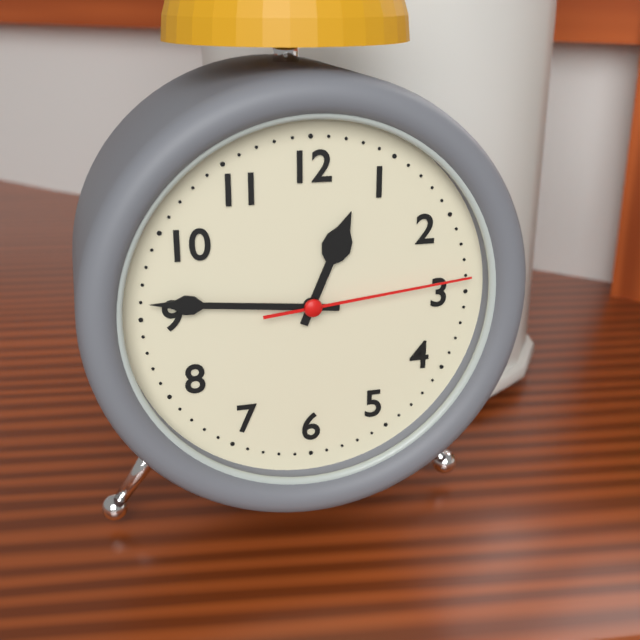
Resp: 12,46,14
